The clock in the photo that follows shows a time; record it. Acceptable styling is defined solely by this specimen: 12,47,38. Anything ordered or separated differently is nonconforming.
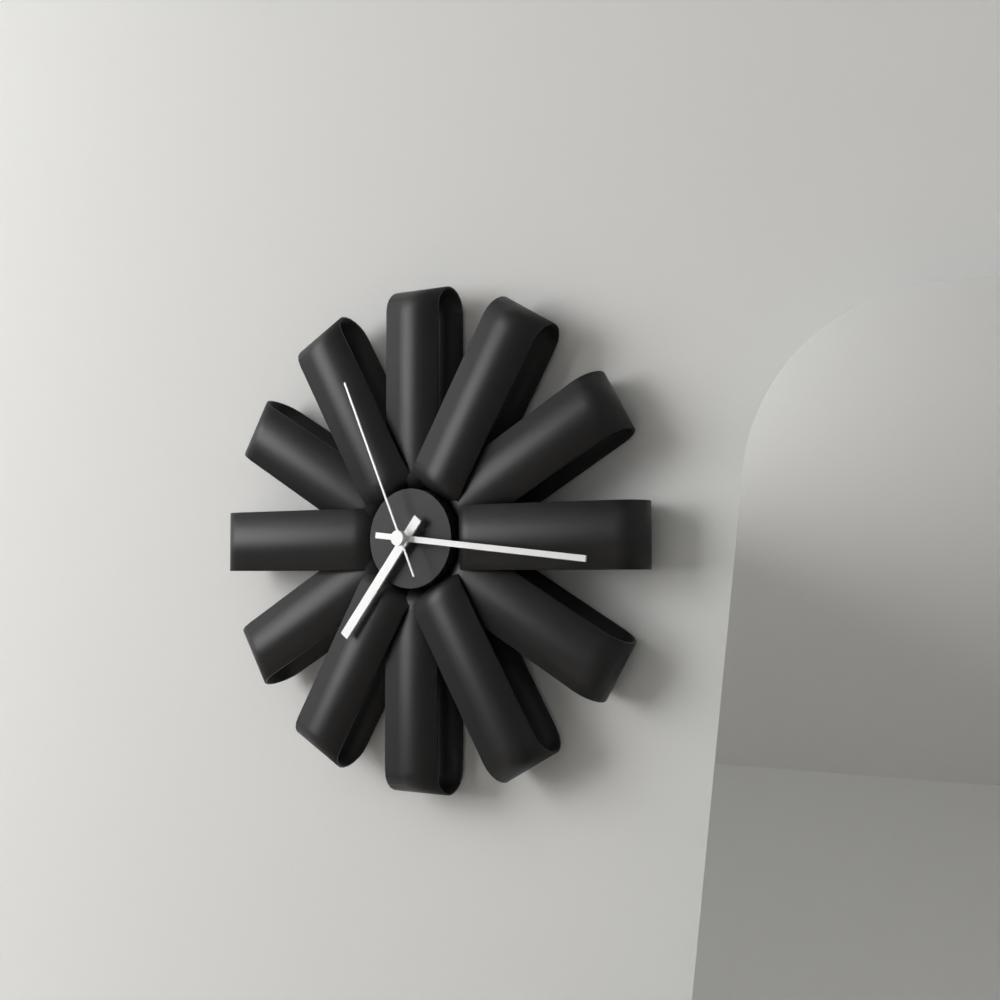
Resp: 7,16,56
